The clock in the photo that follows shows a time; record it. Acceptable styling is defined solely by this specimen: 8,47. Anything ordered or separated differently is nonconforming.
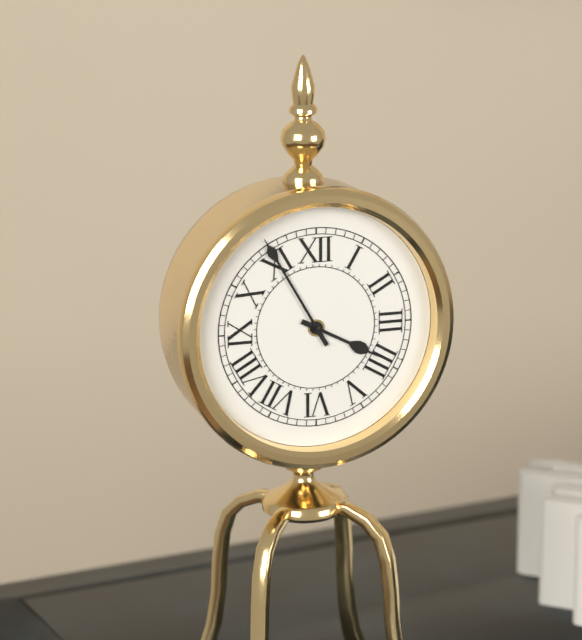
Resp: 3,55
